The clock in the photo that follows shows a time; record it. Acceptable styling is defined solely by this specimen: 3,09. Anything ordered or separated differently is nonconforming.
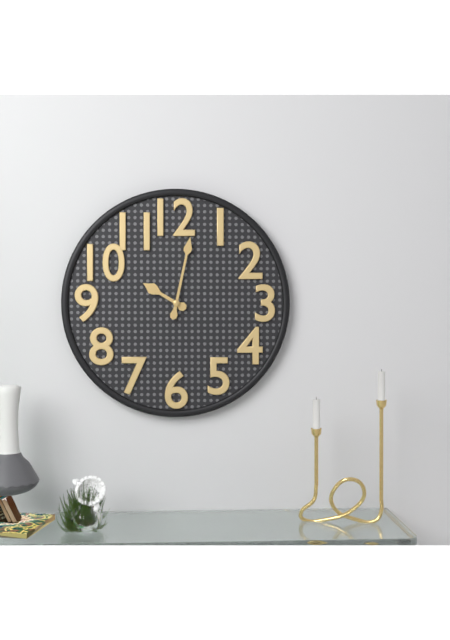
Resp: 10,02
